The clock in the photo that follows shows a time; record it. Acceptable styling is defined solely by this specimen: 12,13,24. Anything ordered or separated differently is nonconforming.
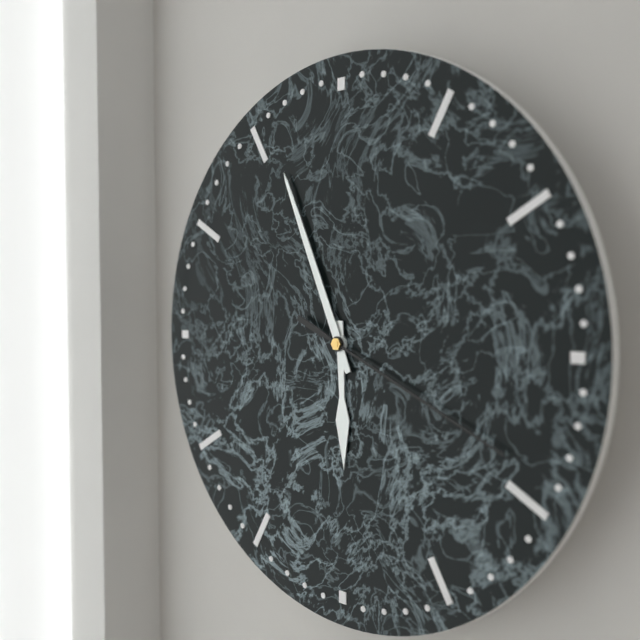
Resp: 5,56,19
